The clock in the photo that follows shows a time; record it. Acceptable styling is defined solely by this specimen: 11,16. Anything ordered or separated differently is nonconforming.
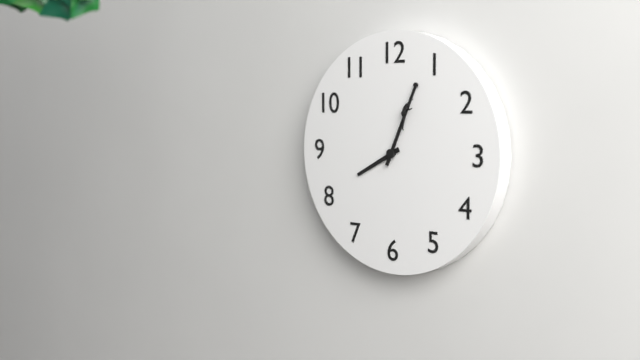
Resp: 8,04
